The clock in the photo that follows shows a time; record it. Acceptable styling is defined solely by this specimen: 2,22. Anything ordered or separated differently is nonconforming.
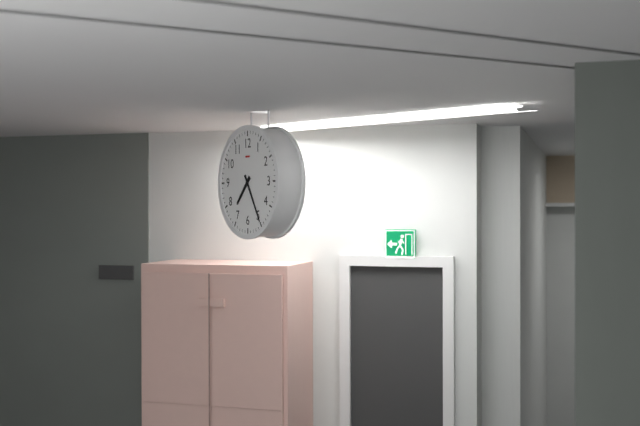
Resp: 7,25
